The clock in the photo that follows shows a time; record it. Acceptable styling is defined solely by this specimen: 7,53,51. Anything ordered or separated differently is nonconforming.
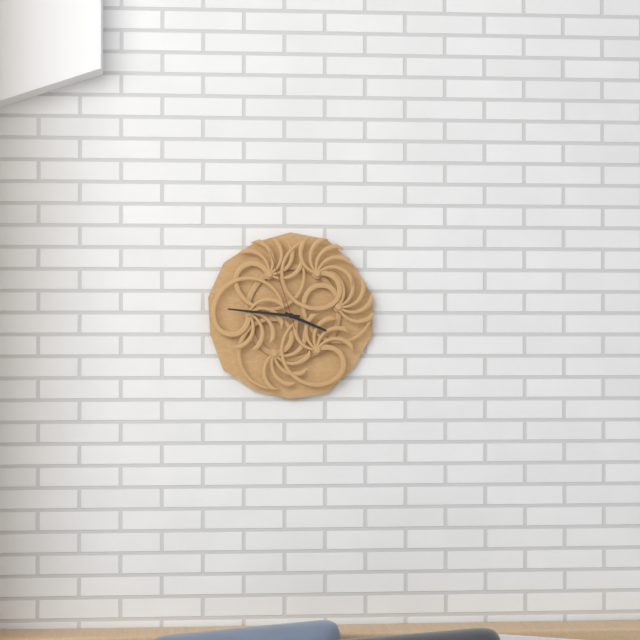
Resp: 3,46,57
